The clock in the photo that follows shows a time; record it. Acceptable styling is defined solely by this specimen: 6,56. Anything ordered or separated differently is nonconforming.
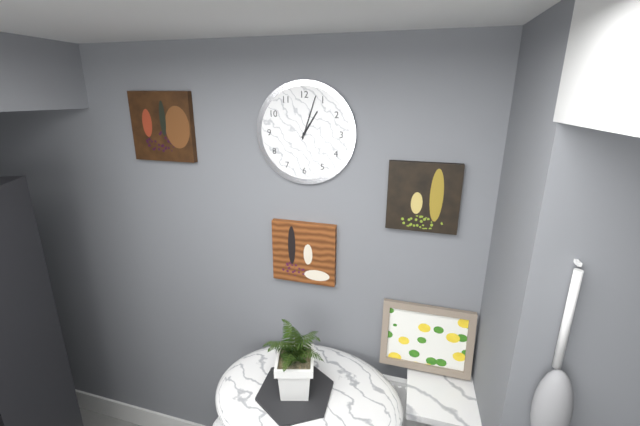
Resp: 1,03
